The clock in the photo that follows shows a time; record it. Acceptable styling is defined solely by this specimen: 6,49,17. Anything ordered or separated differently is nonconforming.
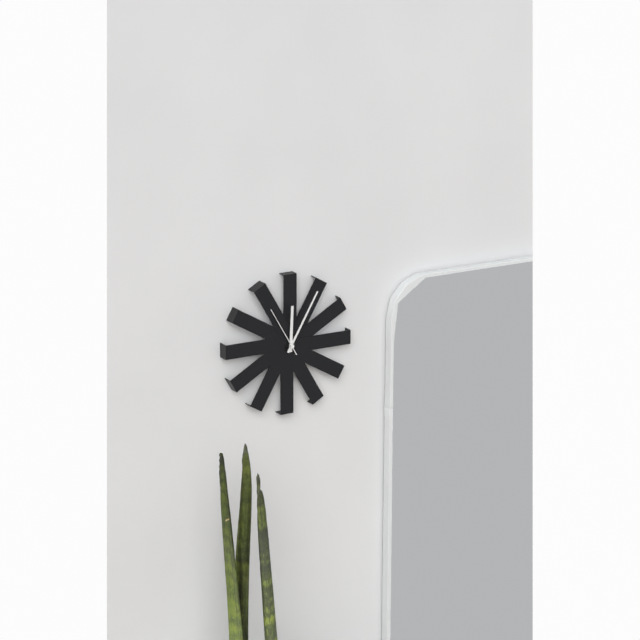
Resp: 12,05,55
